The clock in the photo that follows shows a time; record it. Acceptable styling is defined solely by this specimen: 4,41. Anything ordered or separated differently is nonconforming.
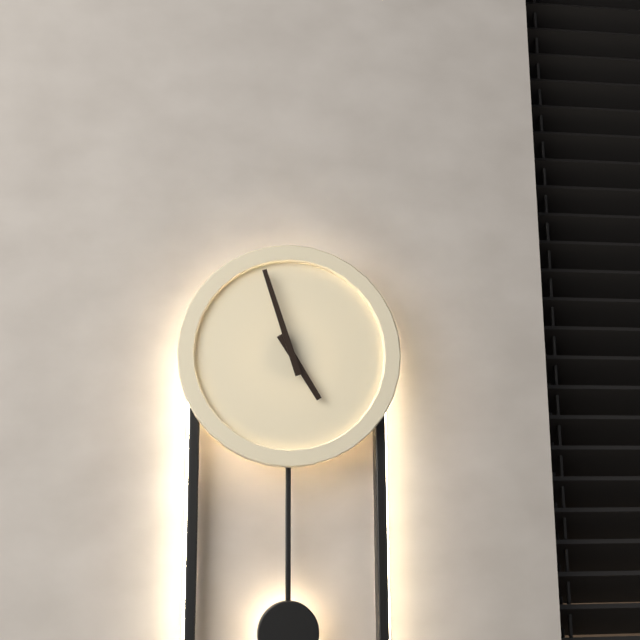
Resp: 4,57
